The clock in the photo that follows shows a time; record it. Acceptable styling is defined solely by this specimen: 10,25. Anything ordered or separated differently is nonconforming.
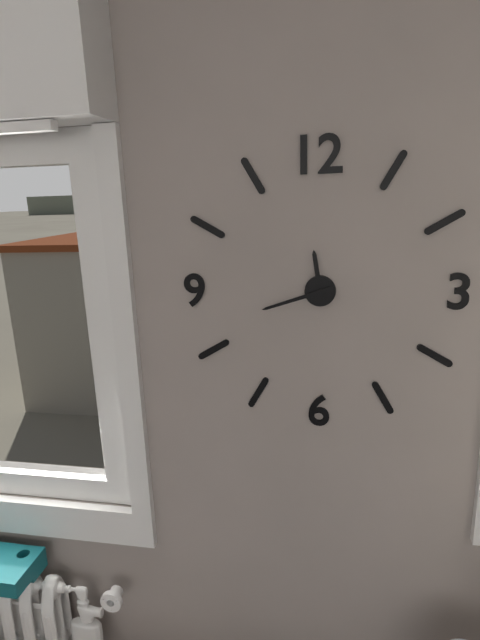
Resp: 11,42
